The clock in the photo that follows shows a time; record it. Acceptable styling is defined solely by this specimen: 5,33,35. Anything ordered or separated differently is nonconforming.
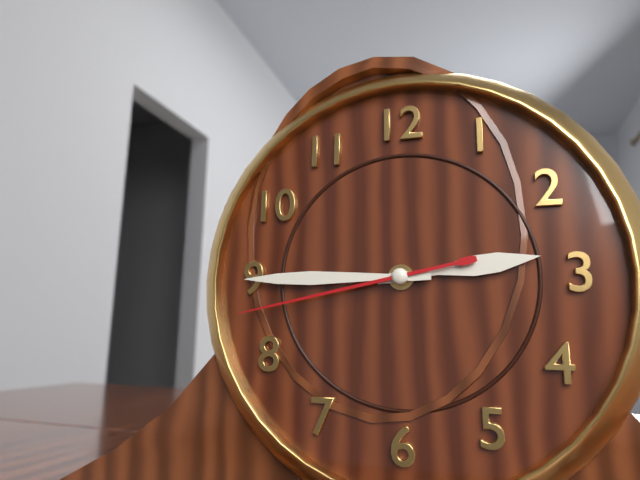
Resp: 2,45,43
